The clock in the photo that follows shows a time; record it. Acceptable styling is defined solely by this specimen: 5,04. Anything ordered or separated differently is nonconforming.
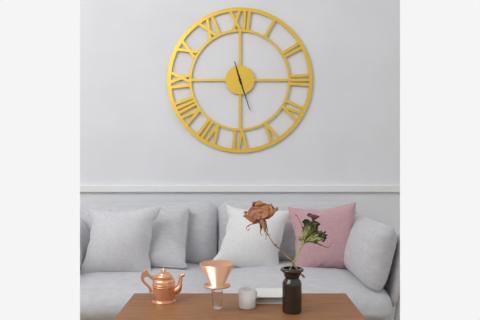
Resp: 11,27
